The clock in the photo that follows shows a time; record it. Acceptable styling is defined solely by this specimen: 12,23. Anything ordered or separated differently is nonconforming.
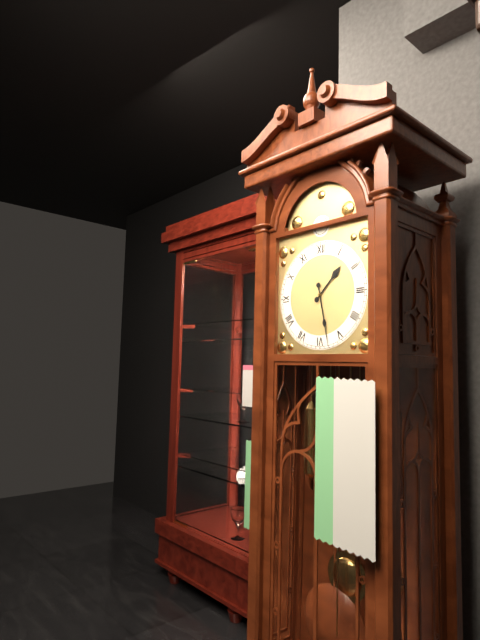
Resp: 1,28
